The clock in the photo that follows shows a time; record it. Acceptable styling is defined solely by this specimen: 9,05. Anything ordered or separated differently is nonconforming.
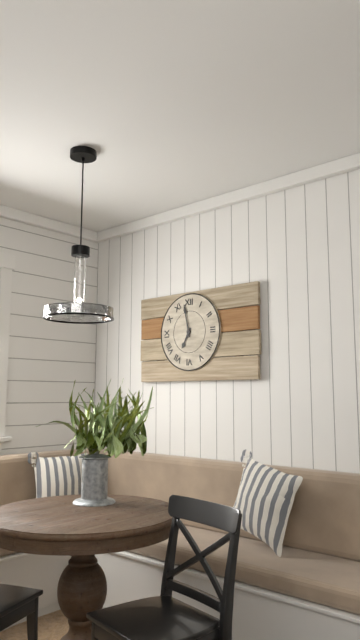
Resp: 6,58
